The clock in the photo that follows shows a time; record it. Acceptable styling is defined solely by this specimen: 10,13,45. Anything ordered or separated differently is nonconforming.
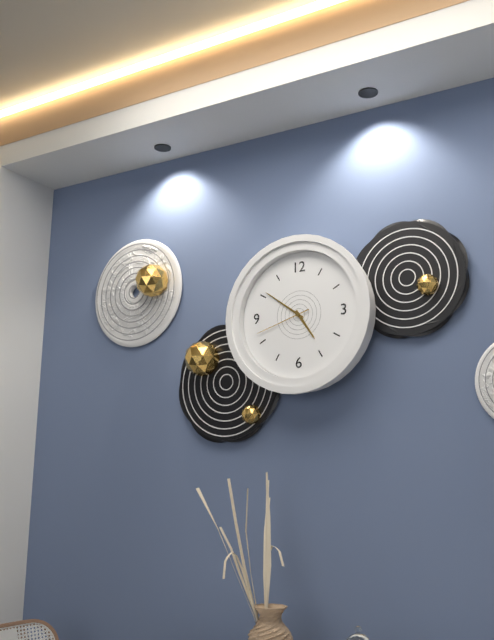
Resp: 4,51,42
